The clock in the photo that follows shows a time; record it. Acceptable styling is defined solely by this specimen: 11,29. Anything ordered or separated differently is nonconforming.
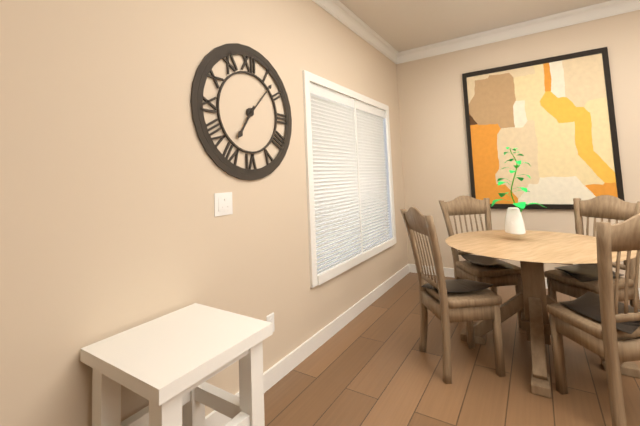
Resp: 7,07
